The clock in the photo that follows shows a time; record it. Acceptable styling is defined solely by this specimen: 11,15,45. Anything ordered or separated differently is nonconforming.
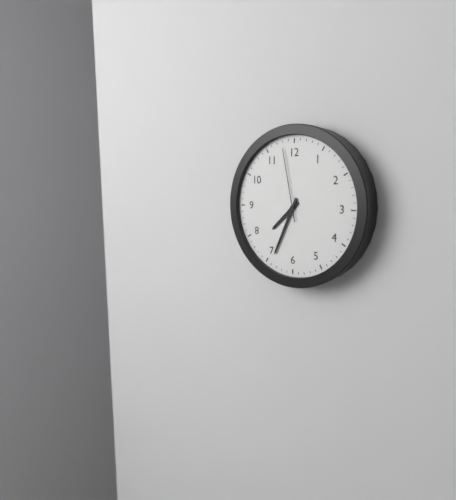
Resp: 7,34,58
